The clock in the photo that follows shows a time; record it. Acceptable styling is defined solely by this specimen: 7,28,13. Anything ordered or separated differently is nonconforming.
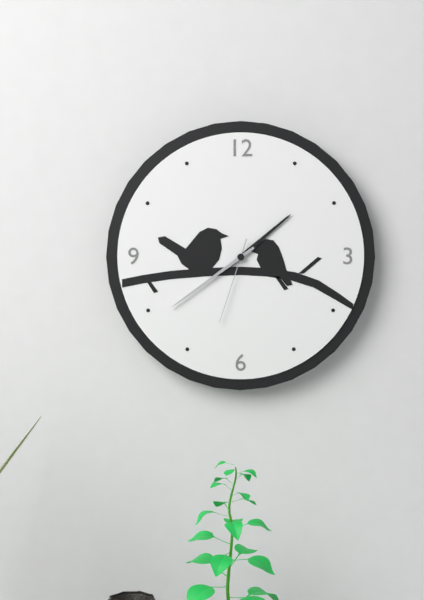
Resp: 1,39,33
